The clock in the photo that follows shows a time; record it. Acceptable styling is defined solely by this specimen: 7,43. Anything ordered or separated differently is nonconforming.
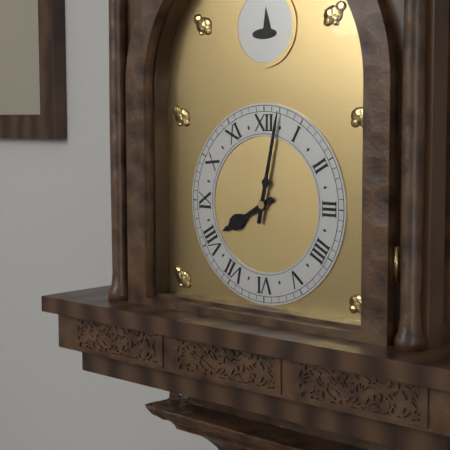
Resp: 8,02
